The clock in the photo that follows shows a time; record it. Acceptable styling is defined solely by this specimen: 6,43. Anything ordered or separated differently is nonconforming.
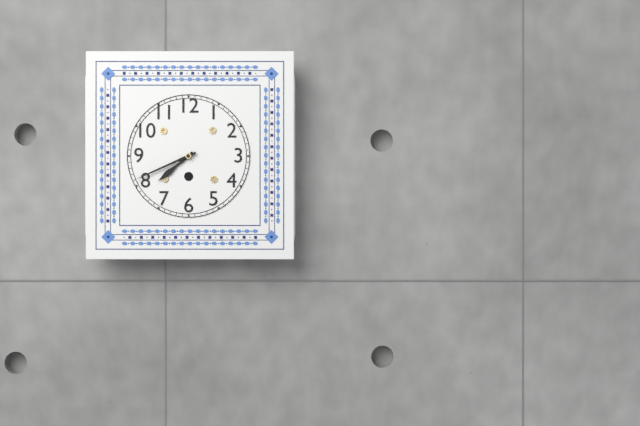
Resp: 7,41
